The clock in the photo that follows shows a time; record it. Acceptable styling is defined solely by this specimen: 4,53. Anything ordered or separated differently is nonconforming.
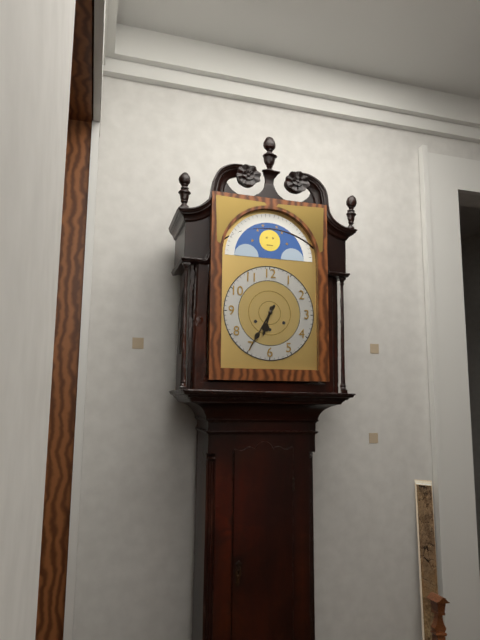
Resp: 6,35
